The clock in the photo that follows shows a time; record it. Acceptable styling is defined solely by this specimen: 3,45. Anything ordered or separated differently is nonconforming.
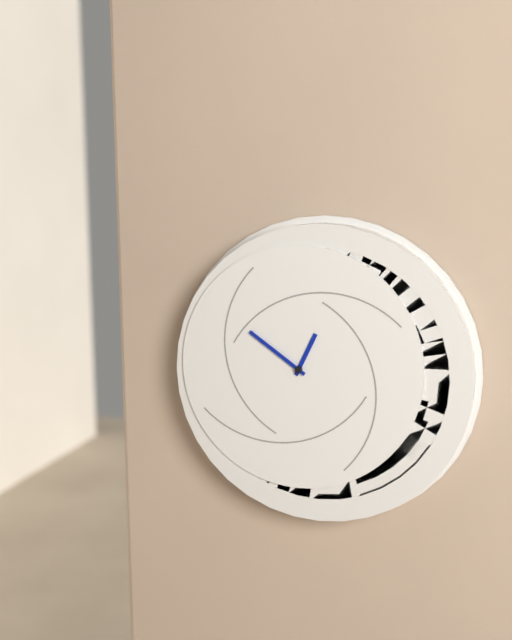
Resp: 12,51
